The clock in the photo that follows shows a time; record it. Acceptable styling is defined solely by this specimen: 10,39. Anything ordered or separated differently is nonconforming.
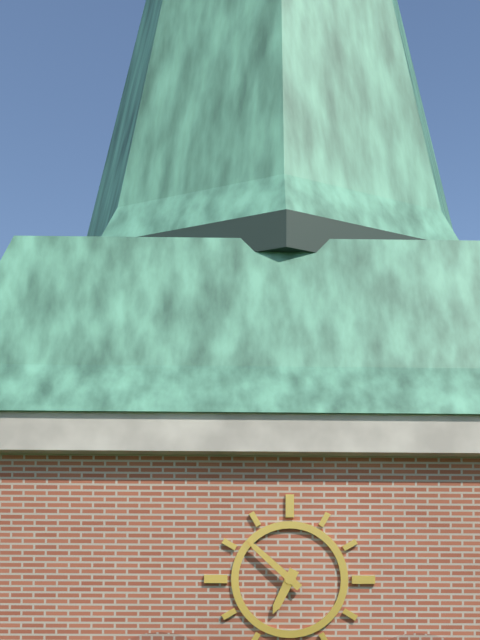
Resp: 6,52
